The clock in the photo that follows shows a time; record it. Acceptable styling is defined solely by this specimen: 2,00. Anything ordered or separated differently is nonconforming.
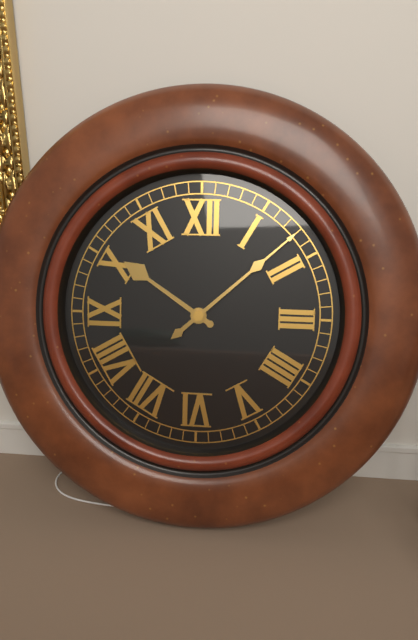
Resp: 10,08
